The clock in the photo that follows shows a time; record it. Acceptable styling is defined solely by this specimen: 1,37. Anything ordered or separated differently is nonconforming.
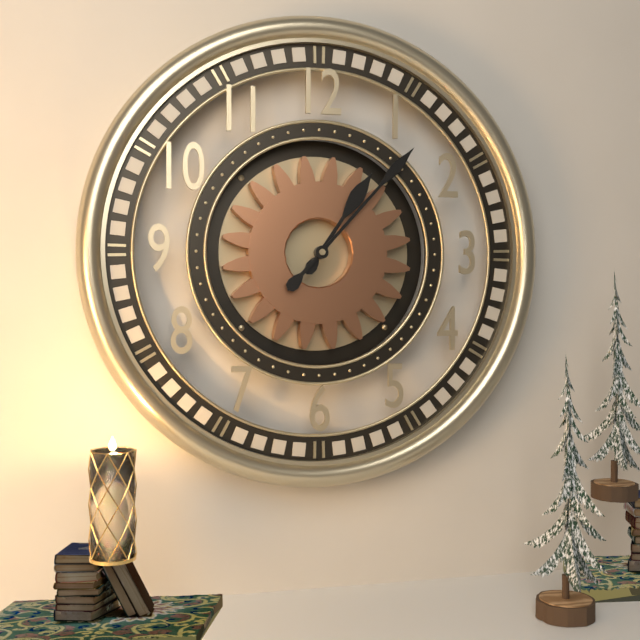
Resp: 1,07
